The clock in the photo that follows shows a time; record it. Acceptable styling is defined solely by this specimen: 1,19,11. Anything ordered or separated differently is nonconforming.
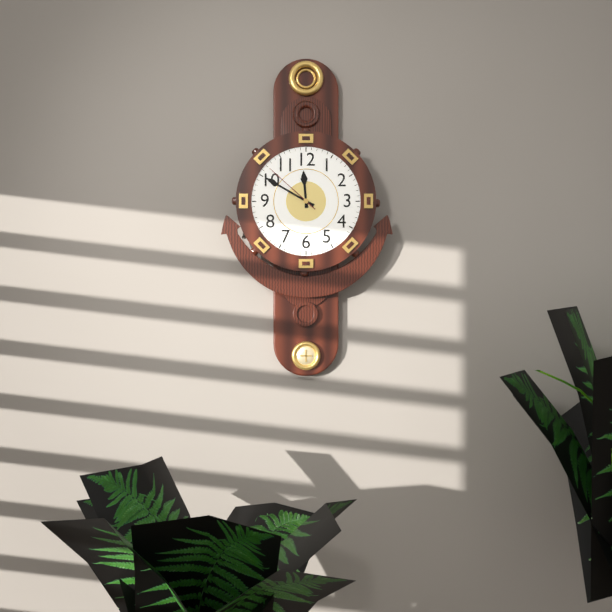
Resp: 11,50,52
